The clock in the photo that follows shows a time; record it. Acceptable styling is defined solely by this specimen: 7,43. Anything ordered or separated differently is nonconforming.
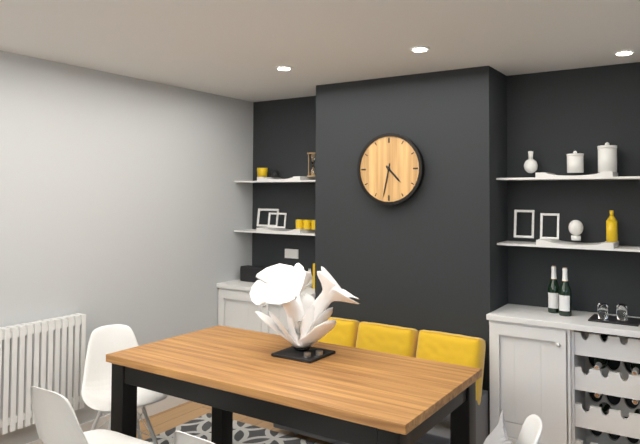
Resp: 4,32
